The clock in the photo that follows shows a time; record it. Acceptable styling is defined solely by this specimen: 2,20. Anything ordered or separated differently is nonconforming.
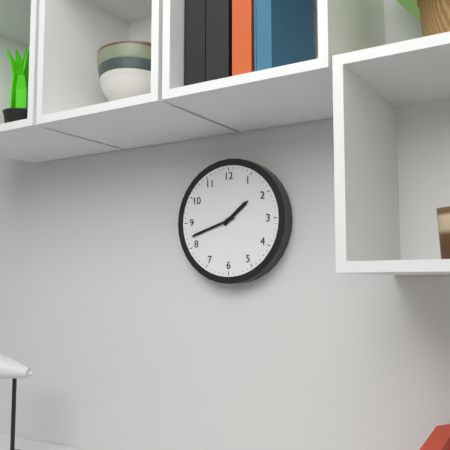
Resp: 1,42
